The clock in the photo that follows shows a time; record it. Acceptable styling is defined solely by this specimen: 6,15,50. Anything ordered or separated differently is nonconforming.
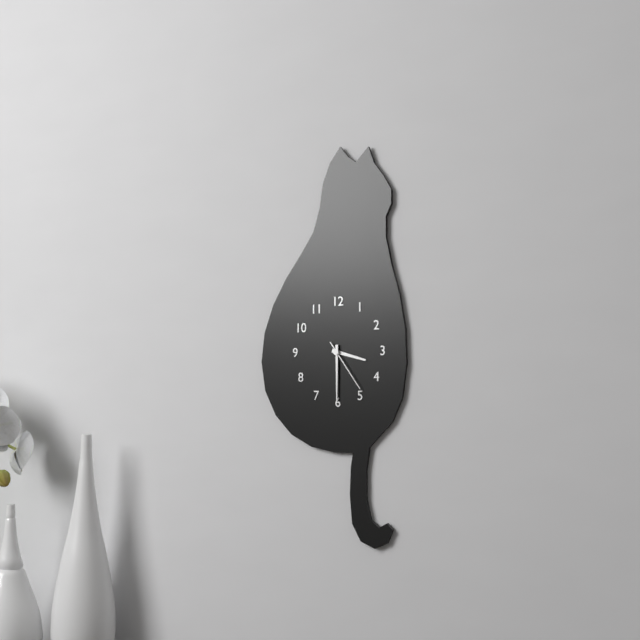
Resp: 3,30,24
